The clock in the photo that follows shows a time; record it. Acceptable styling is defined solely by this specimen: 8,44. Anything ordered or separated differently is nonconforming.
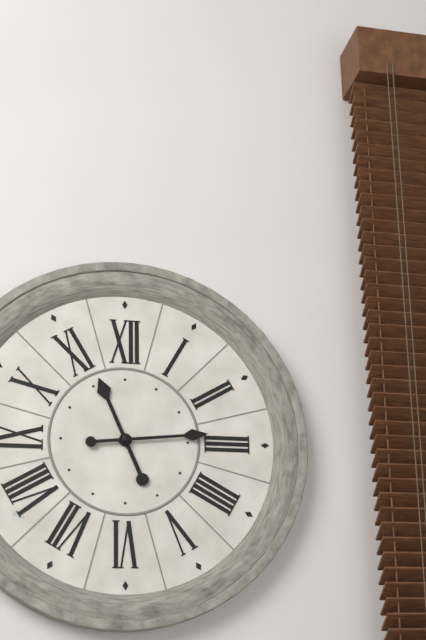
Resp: 11,14
